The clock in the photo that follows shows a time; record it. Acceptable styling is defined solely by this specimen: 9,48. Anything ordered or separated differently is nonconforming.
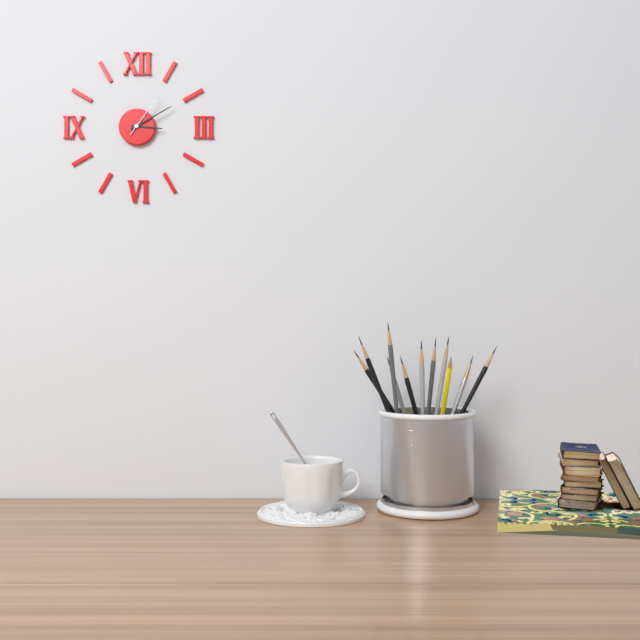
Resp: 3,10
